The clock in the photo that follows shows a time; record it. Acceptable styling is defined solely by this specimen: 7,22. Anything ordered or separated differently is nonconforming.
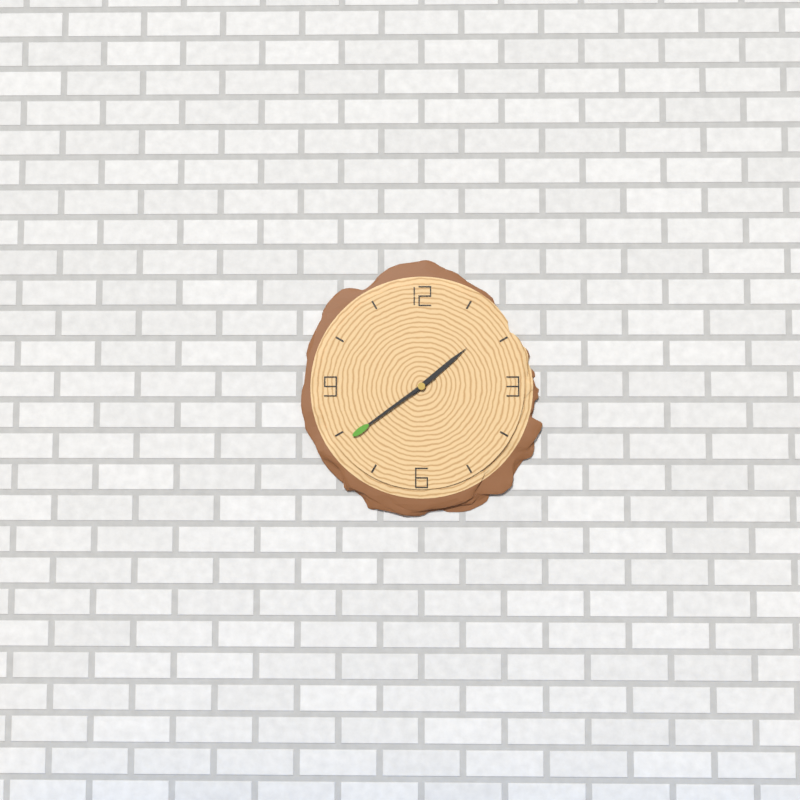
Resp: 1,39
